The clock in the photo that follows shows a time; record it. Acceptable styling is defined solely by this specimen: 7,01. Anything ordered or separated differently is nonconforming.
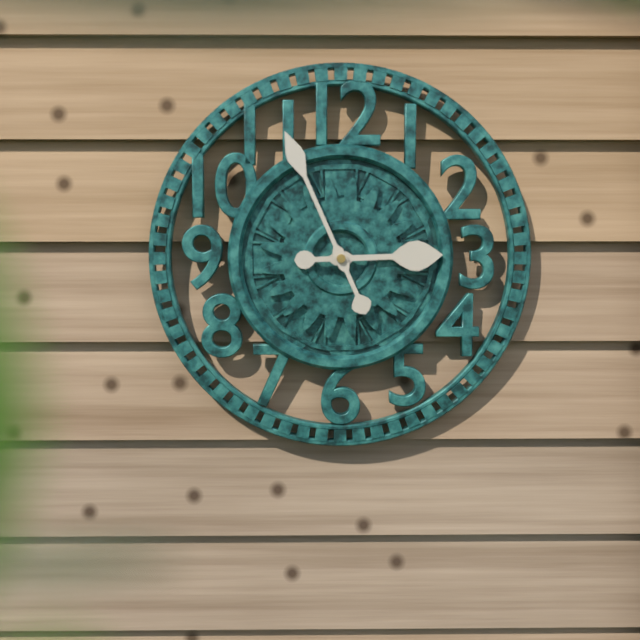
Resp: 2,56
